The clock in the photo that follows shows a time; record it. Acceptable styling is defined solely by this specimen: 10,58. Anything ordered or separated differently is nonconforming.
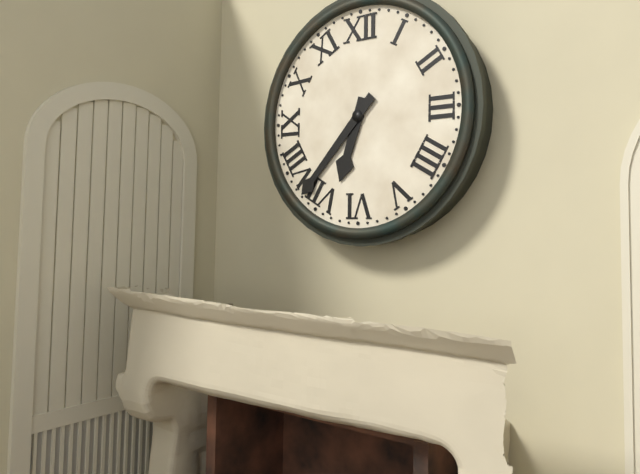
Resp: 6,37
